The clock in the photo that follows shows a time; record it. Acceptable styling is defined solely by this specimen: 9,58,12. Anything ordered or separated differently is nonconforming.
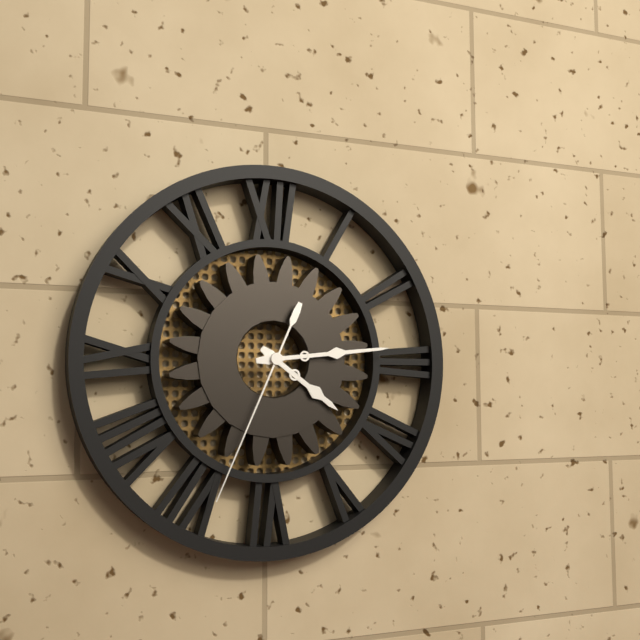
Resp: 4,14,34
